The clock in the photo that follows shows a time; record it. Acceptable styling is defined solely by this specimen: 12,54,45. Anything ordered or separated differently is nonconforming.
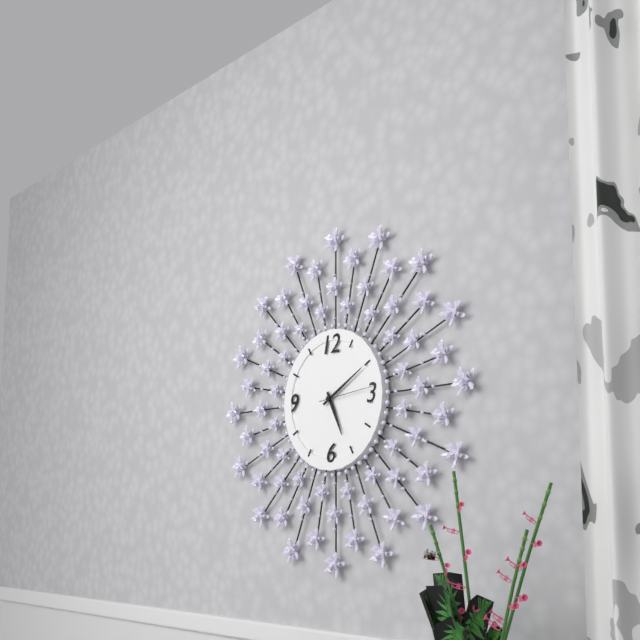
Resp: 5,10,14
